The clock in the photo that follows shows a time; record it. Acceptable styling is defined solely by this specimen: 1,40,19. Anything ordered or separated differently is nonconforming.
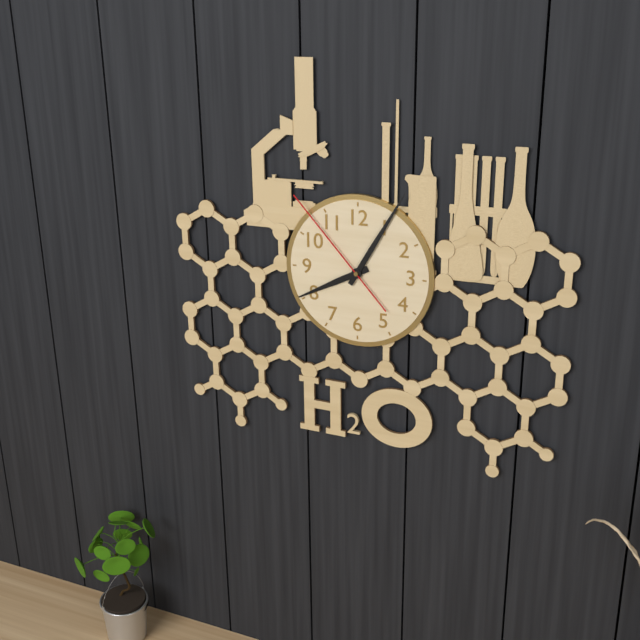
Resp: 8,05,53
